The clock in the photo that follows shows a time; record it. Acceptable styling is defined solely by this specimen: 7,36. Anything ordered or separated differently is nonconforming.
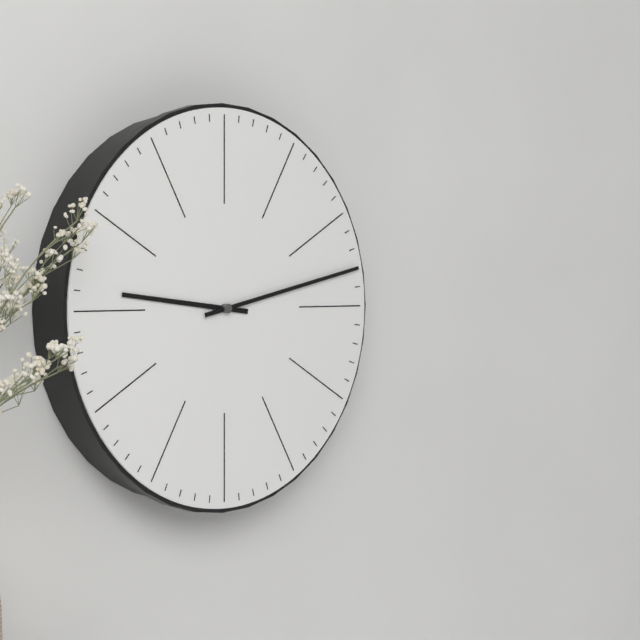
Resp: 9,13
